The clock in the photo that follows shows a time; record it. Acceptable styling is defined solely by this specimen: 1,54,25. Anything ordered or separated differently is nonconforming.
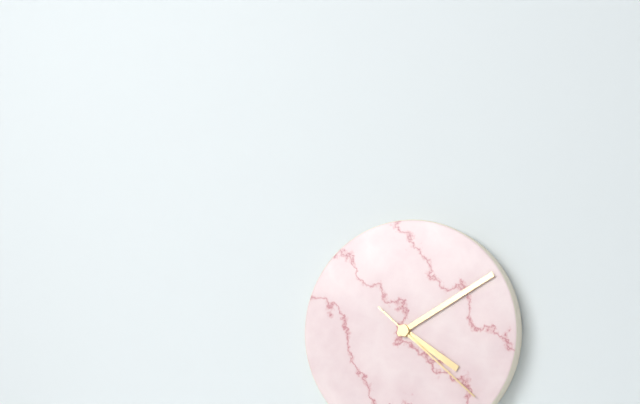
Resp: 4,10,22
